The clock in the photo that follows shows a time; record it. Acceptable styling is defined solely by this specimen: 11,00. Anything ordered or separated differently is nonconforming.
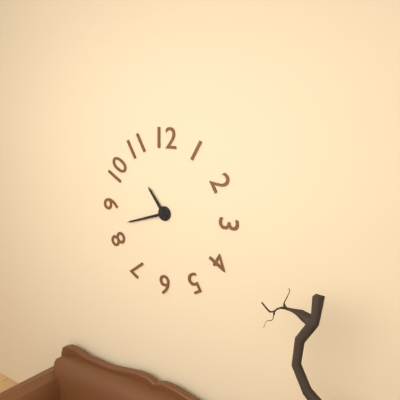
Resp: 10,42
